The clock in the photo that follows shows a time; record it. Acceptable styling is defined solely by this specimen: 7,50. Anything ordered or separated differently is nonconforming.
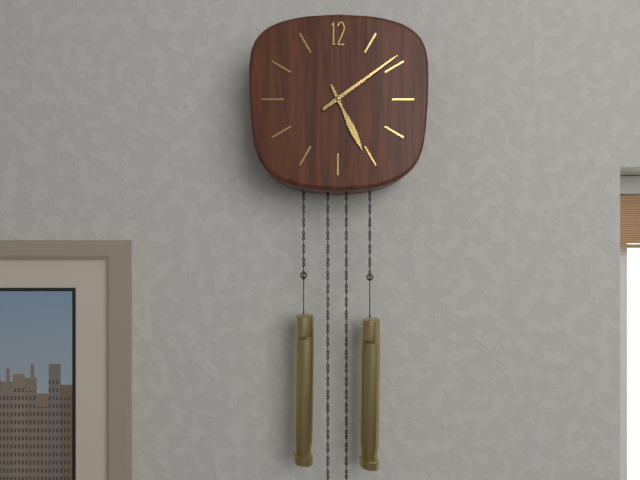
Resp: 5,09
